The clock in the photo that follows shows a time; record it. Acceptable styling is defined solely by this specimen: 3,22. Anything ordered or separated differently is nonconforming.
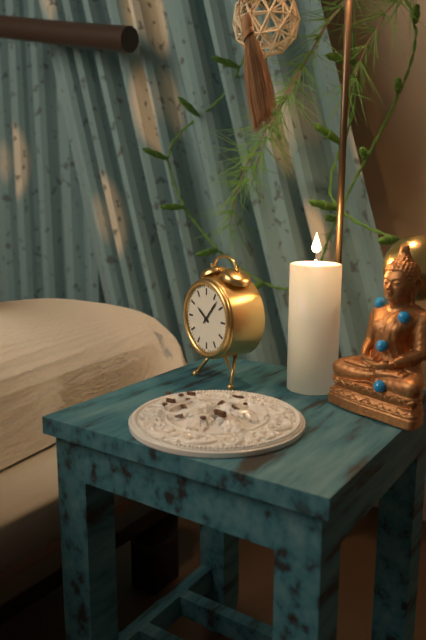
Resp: 10,07
